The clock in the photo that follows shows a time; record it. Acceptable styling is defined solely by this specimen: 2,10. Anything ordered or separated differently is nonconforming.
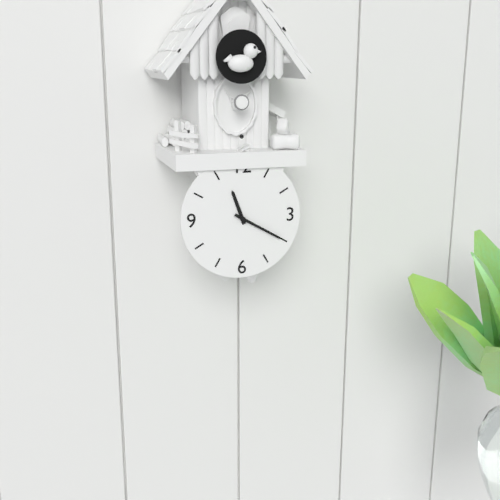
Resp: 11,20
